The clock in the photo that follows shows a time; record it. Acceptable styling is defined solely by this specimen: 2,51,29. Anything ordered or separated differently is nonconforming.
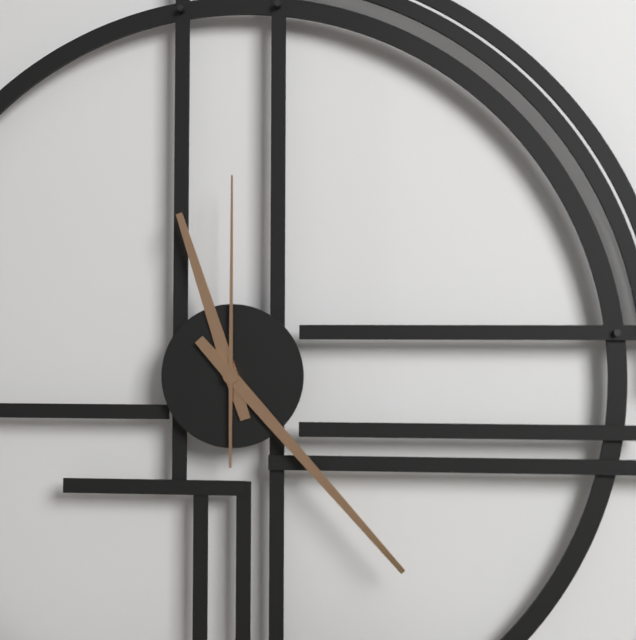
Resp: 11,23,00
